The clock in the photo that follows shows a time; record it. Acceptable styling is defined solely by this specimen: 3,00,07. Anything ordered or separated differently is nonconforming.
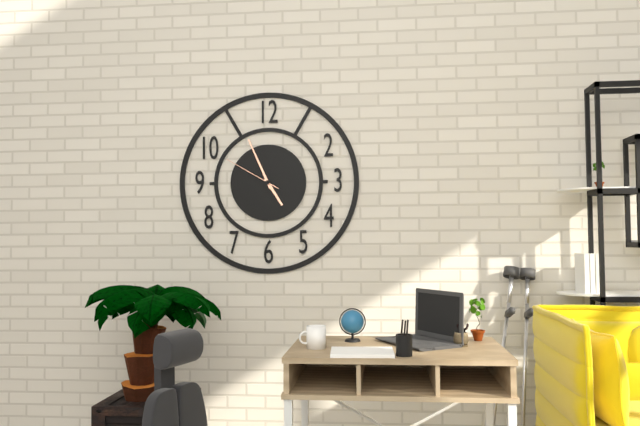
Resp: 4,56,50
